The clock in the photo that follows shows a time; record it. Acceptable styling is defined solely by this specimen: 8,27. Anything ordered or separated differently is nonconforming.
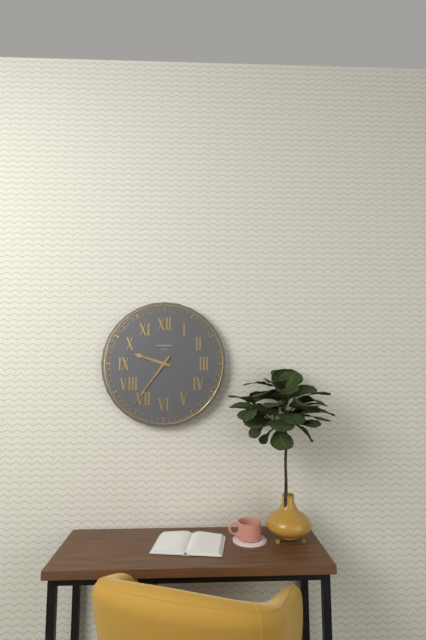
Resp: 9,36
